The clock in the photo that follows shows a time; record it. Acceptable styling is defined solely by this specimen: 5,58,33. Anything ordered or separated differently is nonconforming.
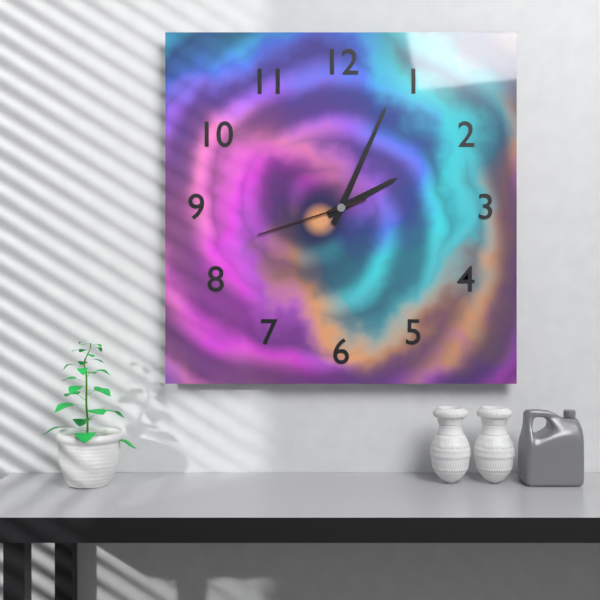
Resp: 2,04,42
